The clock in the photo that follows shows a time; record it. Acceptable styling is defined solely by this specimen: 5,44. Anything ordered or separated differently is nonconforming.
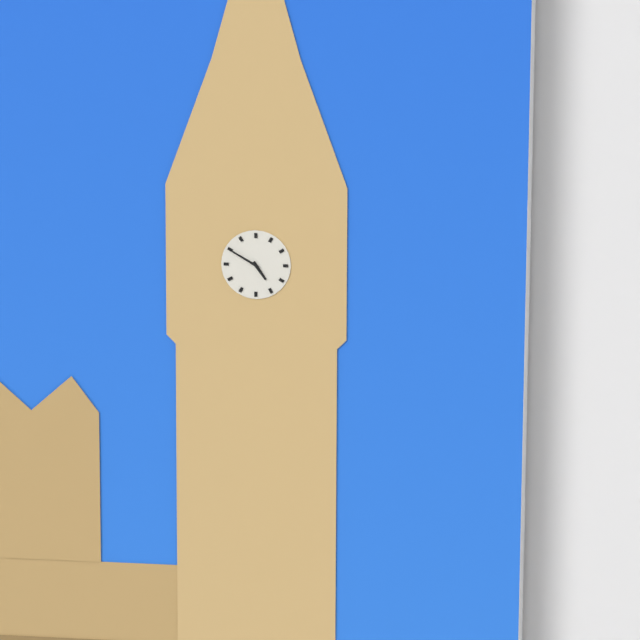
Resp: 4,50
